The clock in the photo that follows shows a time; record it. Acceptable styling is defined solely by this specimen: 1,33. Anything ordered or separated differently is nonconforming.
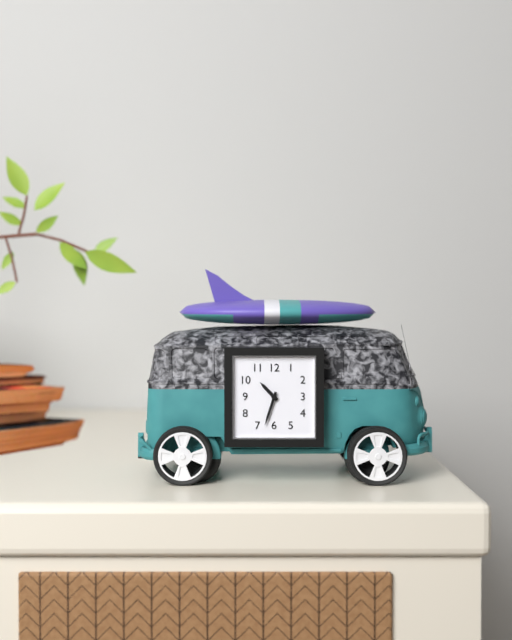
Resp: 10,33
